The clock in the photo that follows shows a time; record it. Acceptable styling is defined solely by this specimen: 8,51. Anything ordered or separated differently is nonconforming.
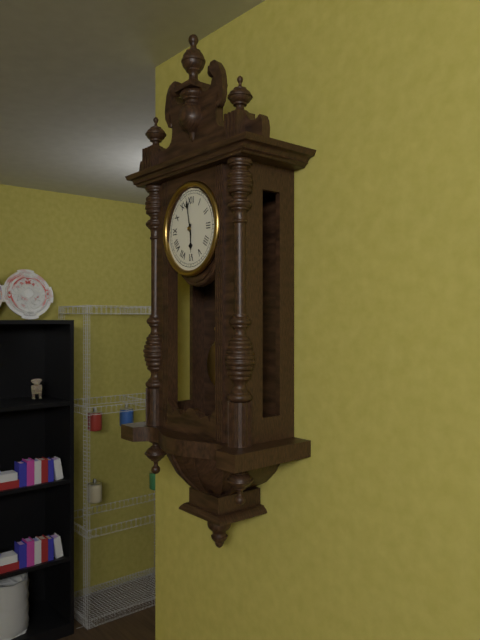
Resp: 5,58
